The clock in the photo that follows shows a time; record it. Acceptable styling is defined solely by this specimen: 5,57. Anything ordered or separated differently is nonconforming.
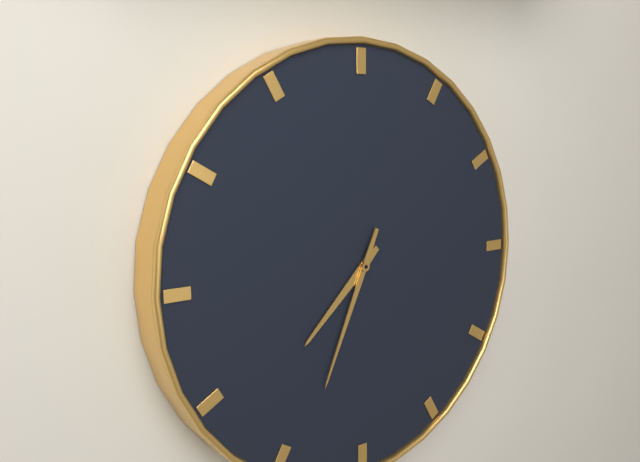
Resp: 7,34
